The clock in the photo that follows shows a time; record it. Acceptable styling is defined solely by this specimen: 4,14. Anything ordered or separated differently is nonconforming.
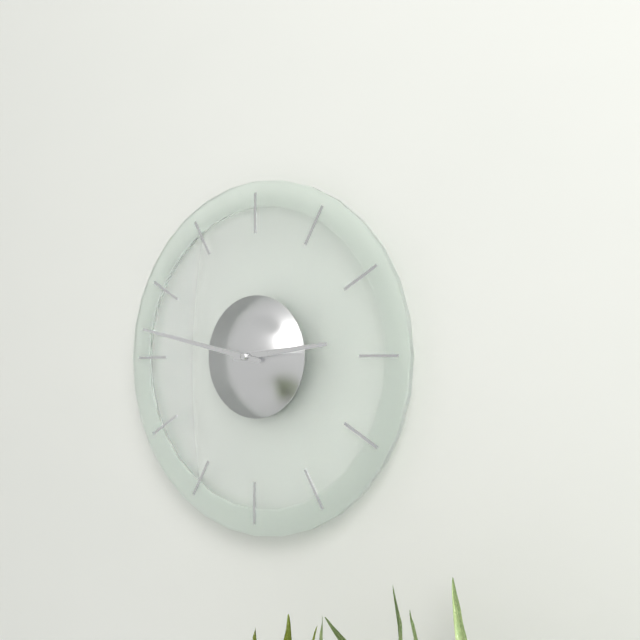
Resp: 2,47
